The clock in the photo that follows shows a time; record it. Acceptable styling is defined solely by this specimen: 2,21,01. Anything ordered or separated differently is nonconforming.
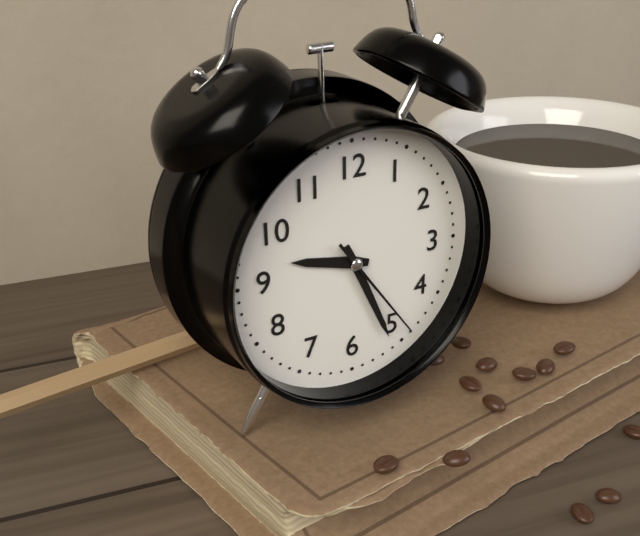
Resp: 9,26,24
